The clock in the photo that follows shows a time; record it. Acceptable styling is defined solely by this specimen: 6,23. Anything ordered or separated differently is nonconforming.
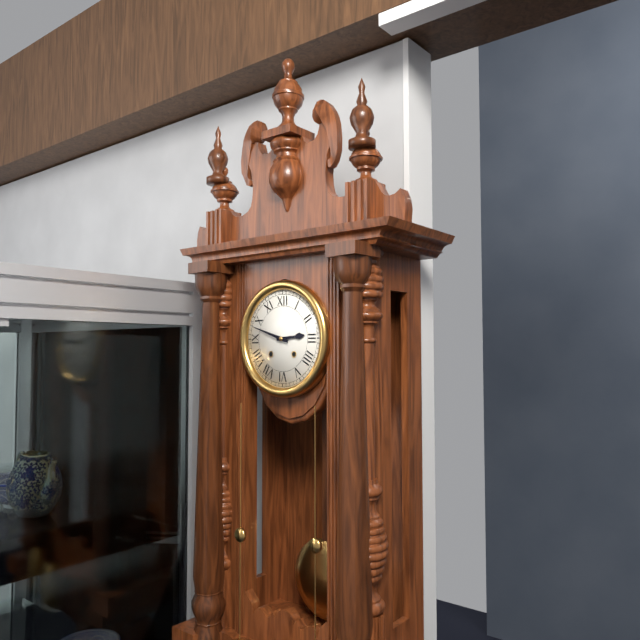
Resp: 2,48
